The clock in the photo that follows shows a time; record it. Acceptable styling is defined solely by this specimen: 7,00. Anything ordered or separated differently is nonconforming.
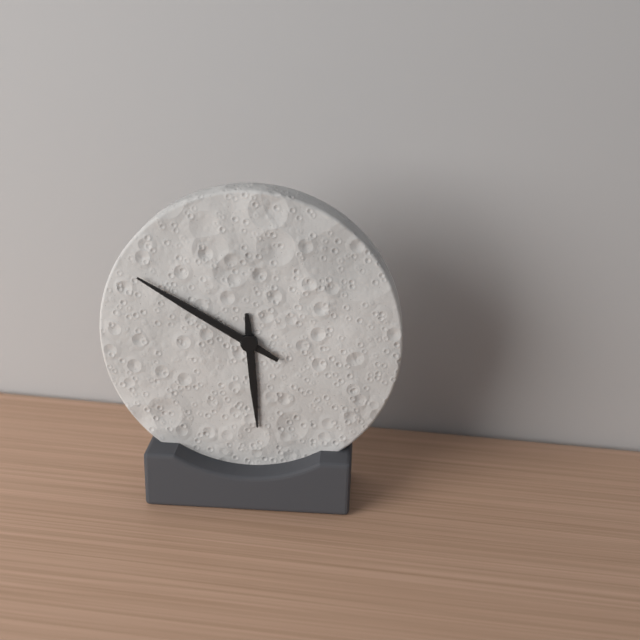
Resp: 5,50
